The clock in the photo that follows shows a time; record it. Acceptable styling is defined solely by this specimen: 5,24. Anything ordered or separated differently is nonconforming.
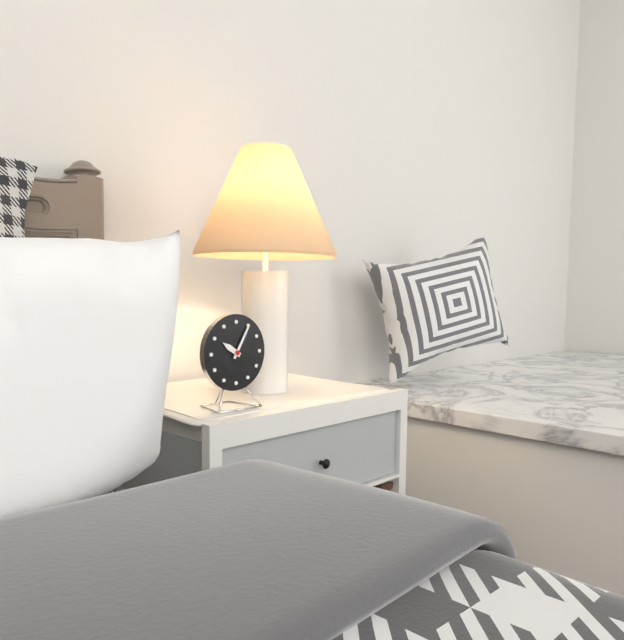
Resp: 10,05
